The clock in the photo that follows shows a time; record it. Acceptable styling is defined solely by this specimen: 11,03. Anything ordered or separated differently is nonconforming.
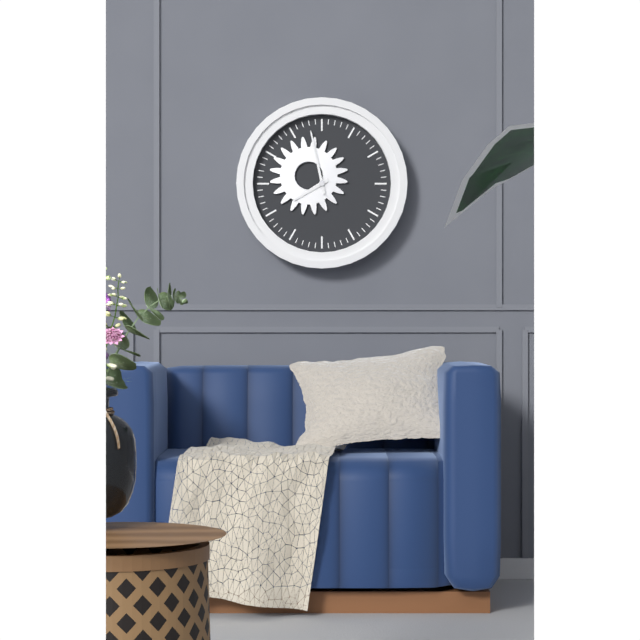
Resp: 7,58
